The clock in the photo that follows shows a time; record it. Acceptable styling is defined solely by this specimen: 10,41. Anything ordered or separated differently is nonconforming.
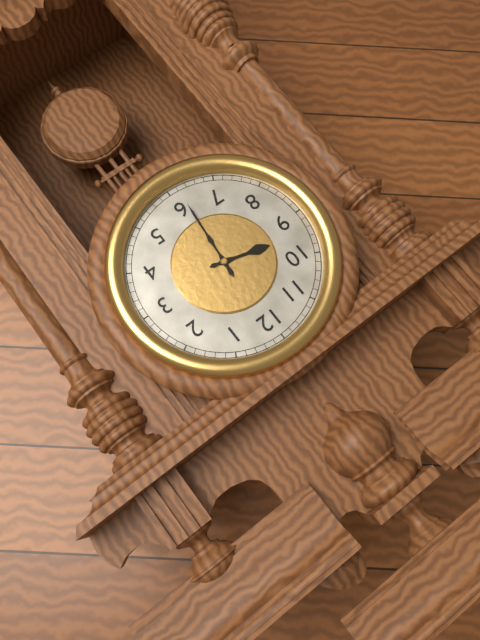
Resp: 9,31
